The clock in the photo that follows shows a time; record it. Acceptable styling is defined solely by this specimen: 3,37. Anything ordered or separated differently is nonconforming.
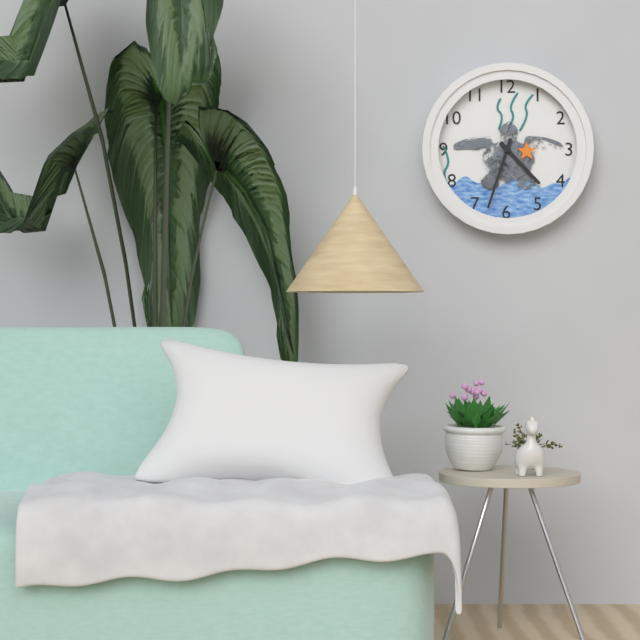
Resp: 4,33
